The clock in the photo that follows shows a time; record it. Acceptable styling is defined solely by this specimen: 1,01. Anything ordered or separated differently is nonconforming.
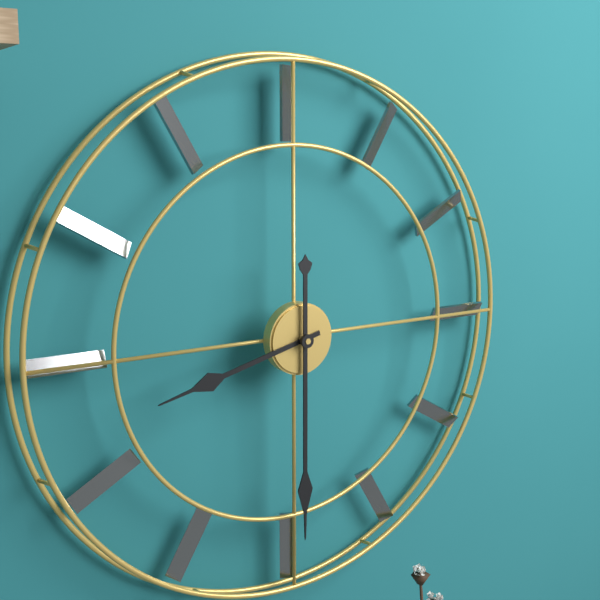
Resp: 8,30
